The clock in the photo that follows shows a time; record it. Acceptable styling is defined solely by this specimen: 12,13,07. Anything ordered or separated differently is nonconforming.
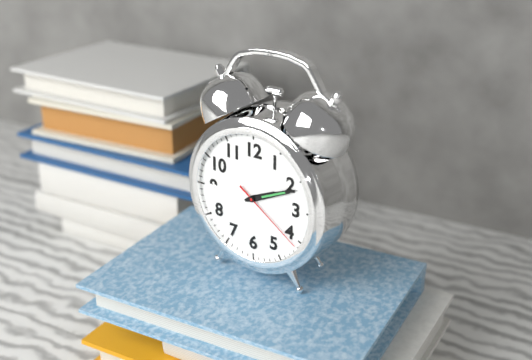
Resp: 2,11,21
